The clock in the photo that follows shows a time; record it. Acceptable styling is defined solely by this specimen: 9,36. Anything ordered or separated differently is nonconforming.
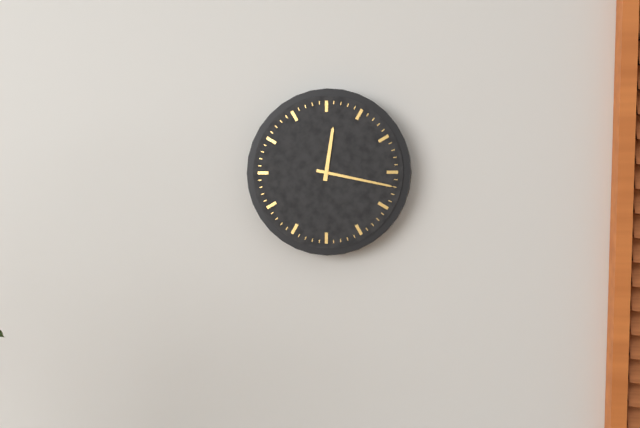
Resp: 12,17
